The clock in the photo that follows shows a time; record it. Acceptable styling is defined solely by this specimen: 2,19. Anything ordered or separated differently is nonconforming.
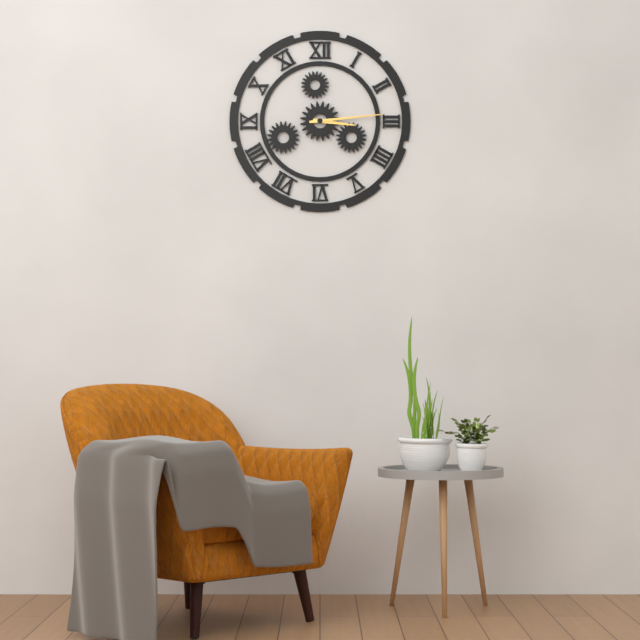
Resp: 3,14
